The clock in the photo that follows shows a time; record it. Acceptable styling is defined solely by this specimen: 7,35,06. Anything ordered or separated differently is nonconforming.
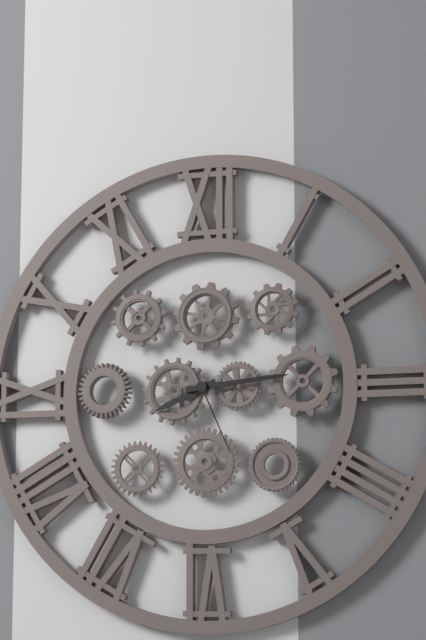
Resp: 8,14,26
